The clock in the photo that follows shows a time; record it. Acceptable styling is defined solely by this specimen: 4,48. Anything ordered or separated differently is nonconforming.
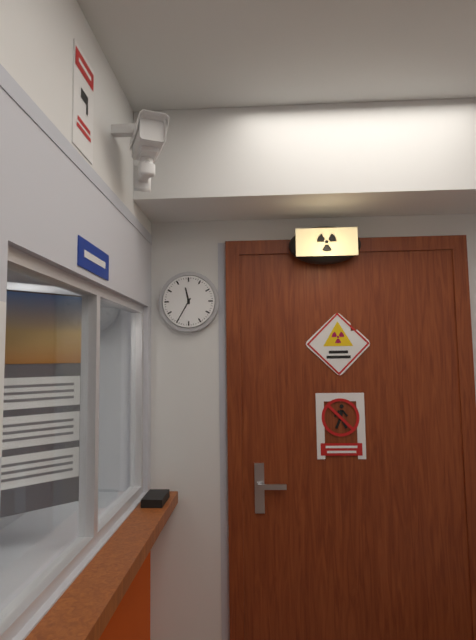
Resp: 11,35
